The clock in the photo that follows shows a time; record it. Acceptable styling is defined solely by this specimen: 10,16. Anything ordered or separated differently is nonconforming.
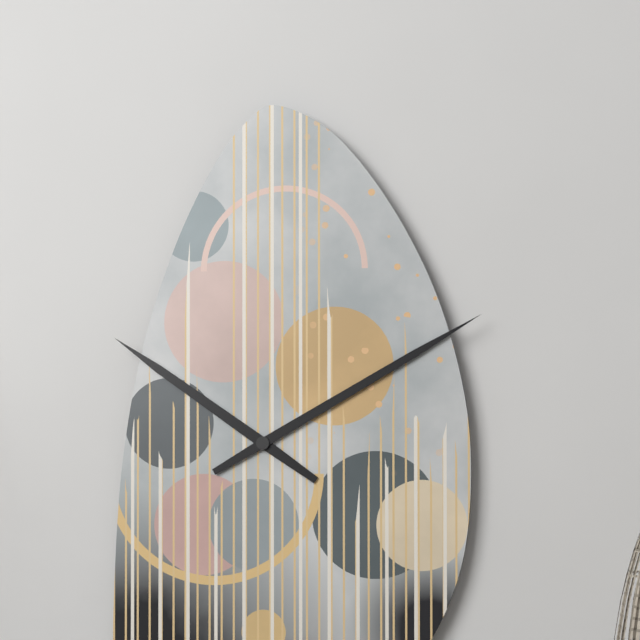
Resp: 10,10
